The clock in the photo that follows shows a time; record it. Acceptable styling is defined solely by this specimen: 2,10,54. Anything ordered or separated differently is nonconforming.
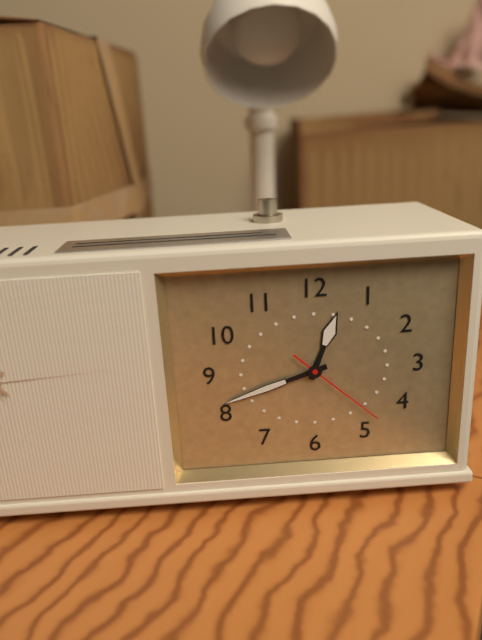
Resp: 12,42,22
